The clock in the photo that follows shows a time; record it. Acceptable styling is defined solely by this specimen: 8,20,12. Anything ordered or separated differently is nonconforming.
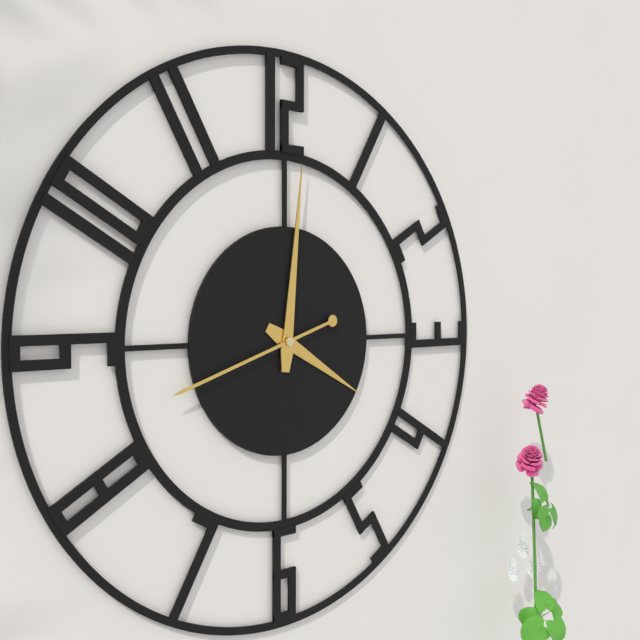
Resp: 4,01,42
